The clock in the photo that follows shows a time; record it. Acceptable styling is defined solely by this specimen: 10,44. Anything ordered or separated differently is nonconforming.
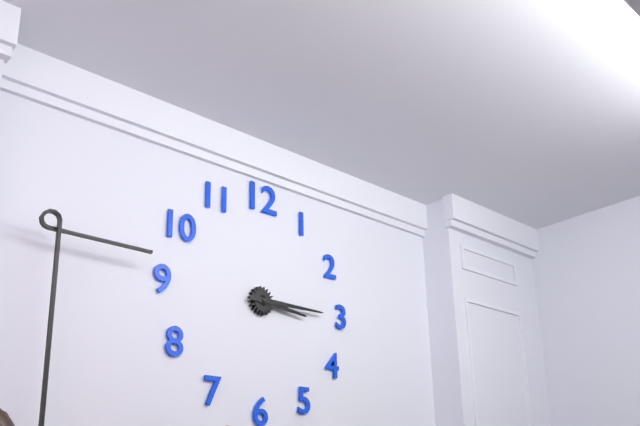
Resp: 3,15
